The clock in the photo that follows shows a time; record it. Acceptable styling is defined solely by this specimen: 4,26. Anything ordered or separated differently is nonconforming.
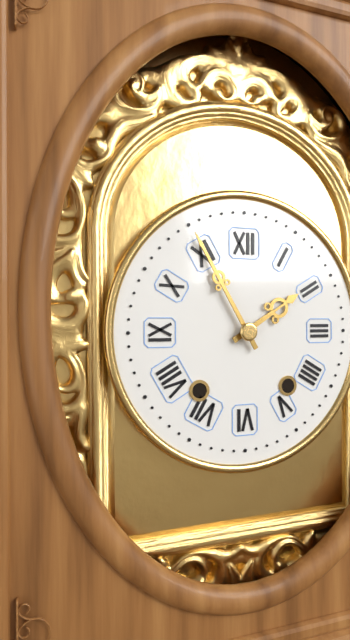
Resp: 1,55
